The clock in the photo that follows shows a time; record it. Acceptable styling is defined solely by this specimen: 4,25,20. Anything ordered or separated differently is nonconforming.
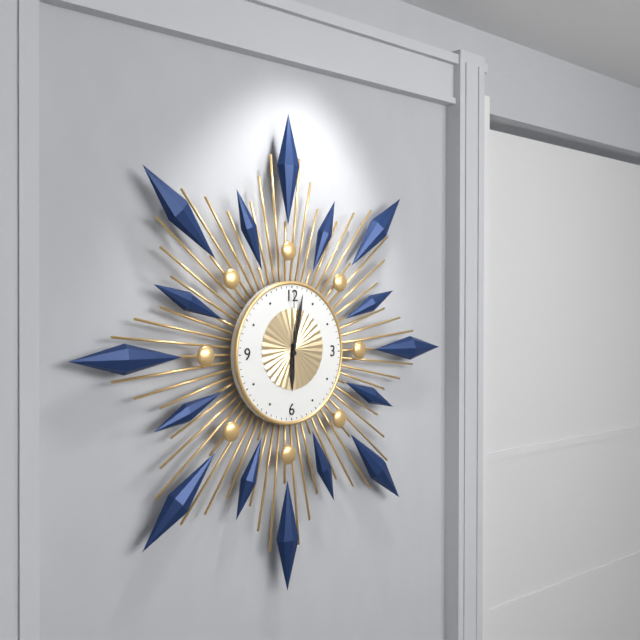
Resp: 6,02,00
